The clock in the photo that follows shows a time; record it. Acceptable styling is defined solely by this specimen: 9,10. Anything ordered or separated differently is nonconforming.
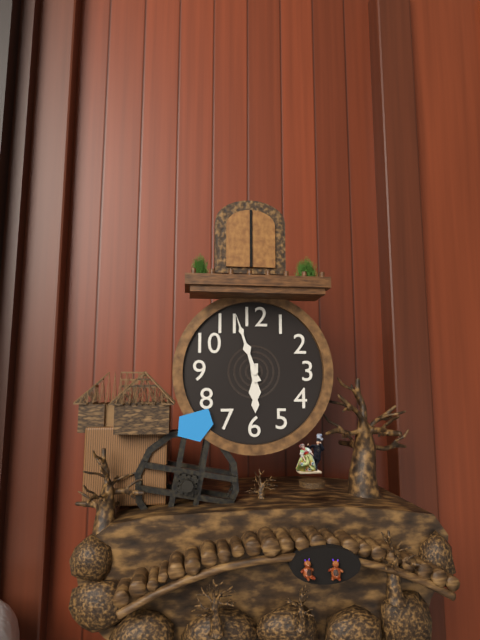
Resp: 5,57
